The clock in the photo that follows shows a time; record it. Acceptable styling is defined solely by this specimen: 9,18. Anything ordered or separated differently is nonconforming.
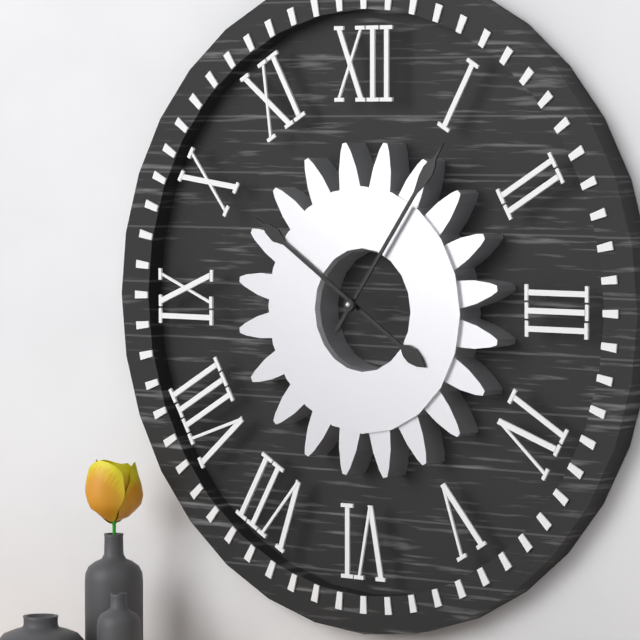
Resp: 10,06
